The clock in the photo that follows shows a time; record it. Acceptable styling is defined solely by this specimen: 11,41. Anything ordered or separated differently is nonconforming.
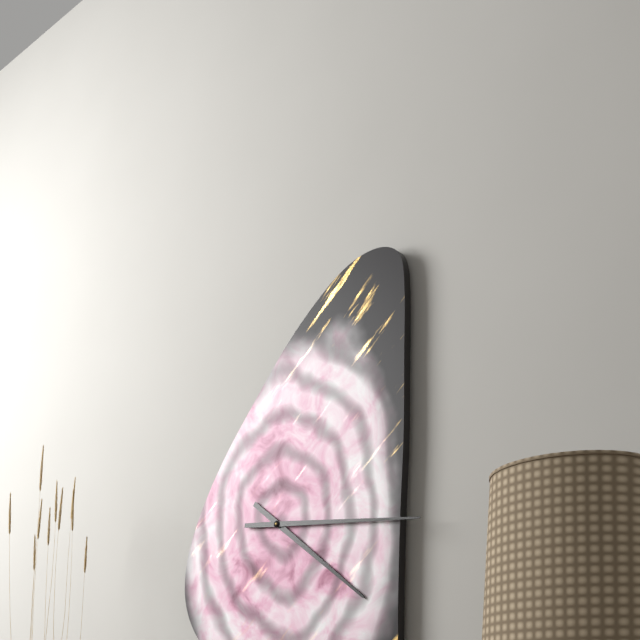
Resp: 4,16
